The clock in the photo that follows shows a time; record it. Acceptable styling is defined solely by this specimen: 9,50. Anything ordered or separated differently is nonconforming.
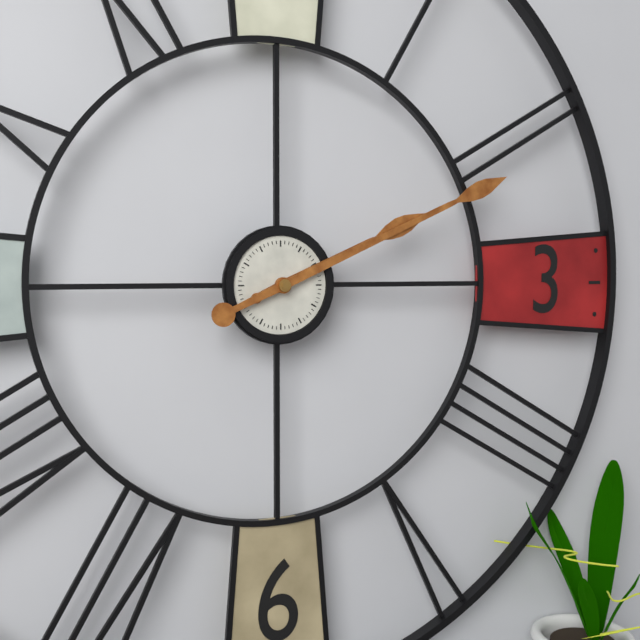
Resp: 2,11
